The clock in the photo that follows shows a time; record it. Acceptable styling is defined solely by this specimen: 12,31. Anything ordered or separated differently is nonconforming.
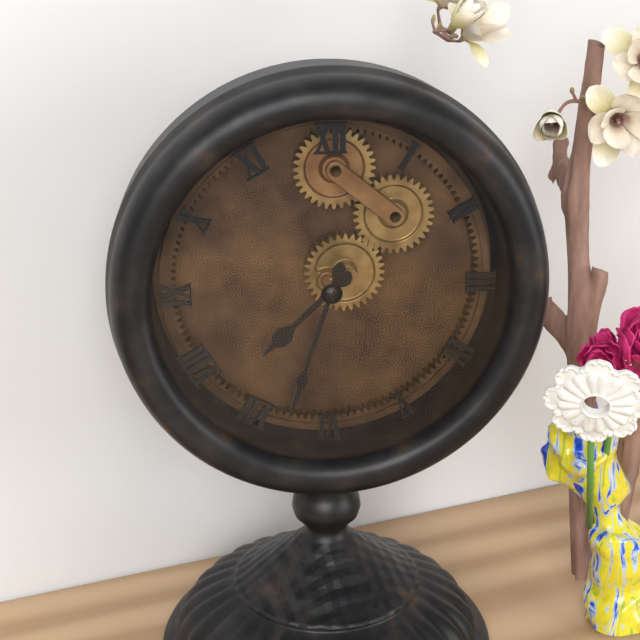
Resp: 7,33
